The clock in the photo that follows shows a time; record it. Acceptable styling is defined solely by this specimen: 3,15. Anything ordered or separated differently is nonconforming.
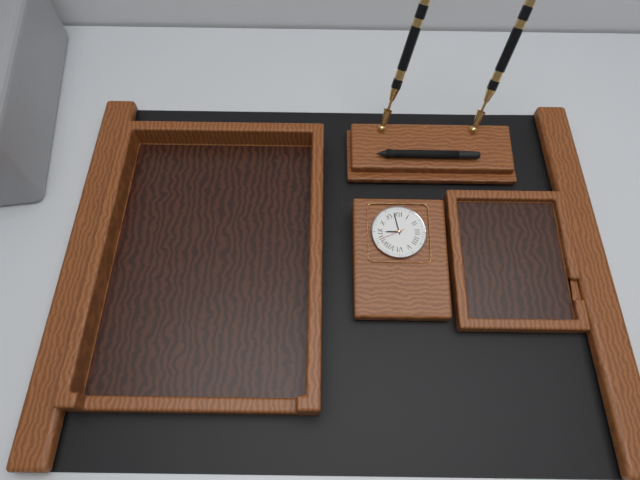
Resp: 8,58
